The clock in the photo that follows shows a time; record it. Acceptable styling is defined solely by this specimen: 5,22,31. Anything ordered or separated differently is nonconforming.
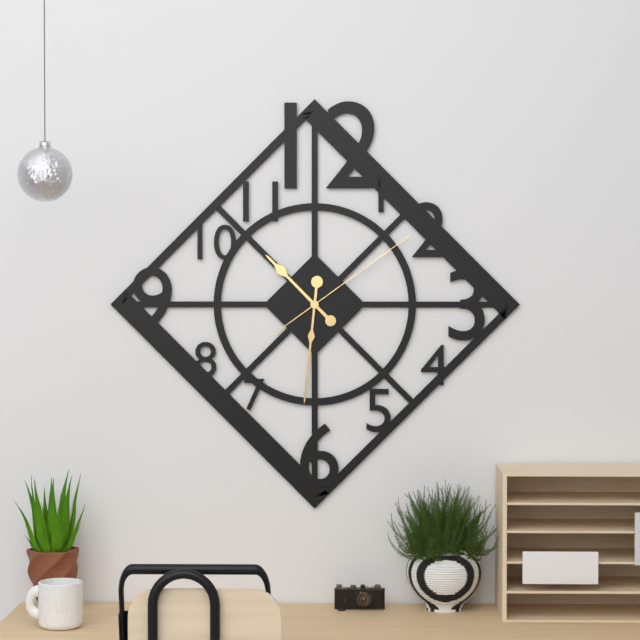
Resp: 10,31,09
